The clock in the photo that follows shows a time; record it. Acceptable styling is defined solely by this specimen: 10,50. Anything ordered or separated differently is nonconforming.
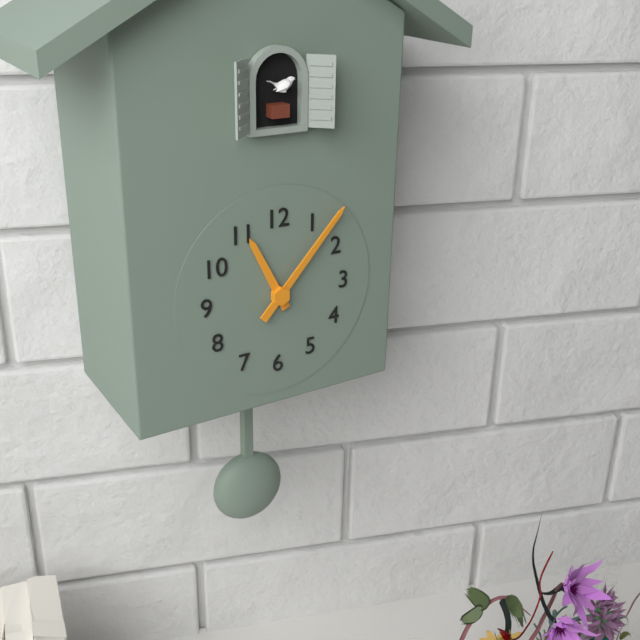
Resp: 11,07
